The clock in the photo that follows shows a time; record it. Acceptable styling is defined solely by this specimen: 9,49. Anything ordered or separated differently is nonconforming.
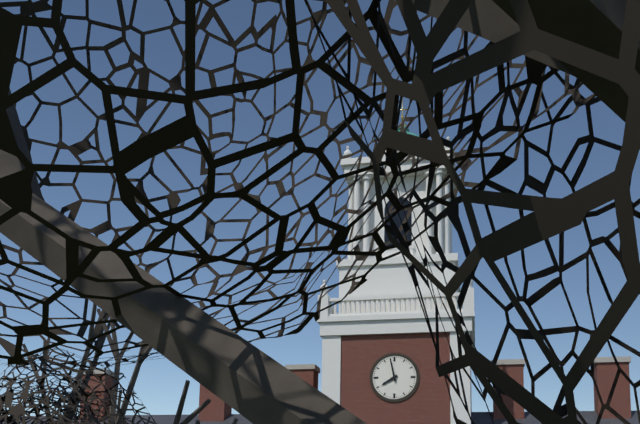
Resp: 7,58
